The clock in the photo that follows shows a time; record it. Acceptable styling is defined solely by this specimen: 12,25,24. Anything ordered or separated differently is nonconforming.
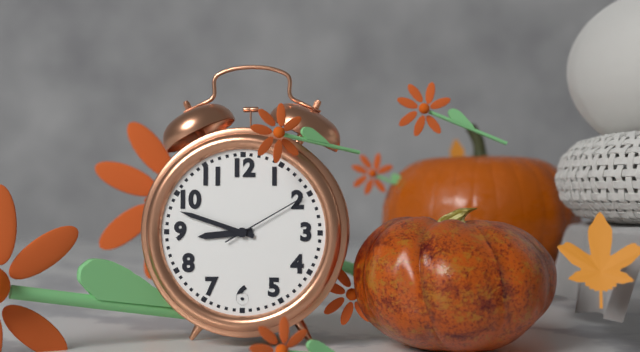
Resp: 8,48,10
